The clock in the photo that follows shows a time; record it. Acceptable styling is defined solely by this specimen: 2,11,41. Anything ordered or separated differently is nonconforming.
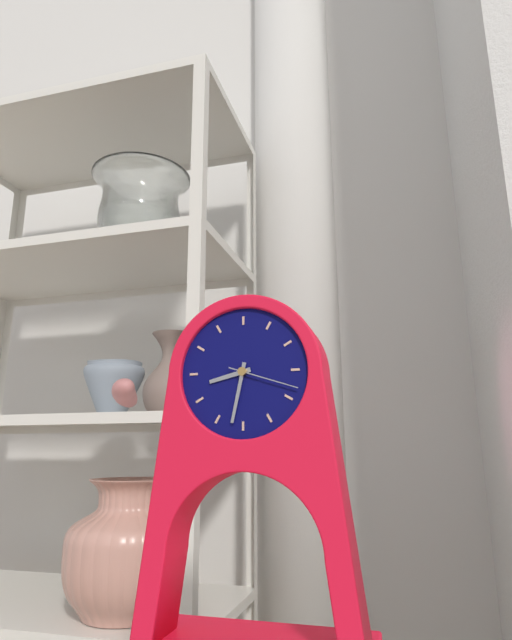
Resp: 8,32,18
